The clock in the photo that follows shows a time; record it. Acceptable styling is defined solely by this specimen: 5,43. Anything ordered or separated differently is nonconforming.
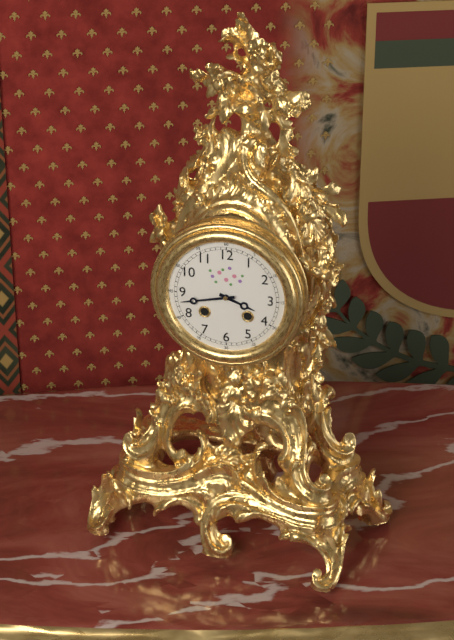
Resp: 3,43
